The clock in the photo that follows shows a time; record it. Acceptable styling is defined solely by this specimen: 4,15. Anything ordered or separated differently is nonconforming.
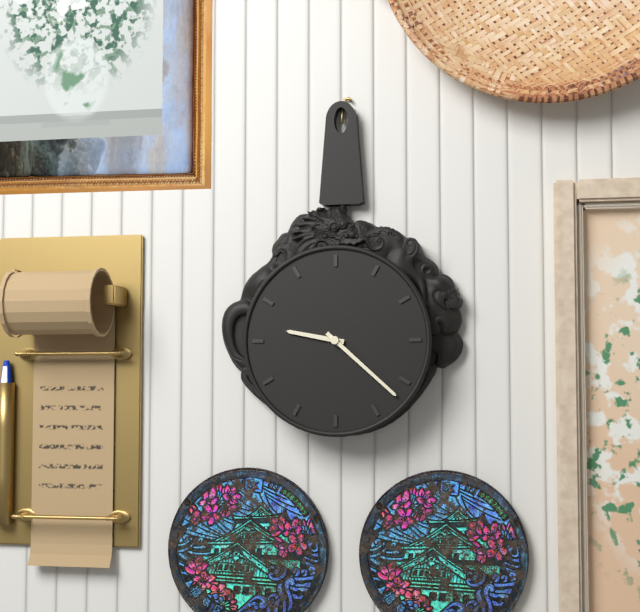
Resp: 9,22
